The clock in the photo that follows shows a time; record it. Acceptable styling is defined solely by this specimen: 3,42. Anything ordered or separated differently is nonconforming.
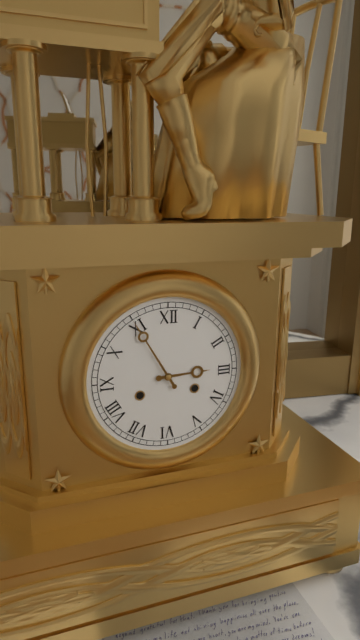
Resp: 2,55
